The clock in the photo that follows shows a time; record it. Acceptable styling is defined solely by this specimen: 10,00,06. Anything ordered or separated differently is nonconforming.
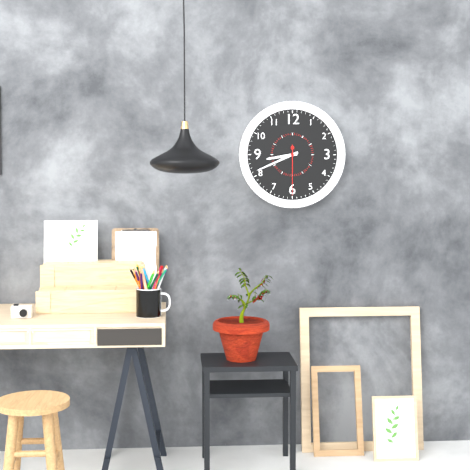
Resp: 8,41,30
